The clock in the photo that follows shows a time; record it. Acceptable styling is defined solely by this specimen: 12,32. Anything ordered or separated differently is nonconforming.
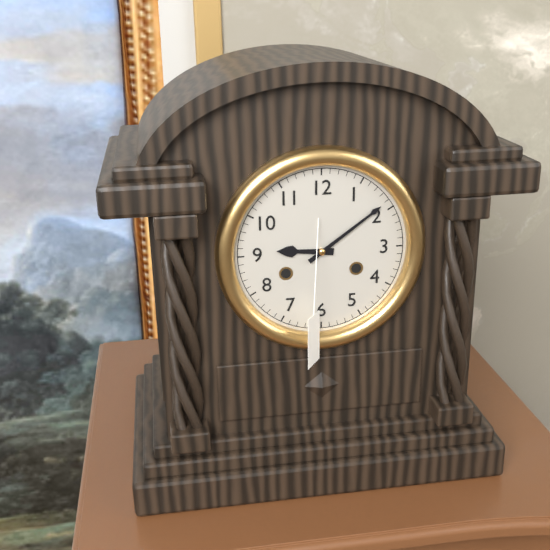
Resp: 9,09
